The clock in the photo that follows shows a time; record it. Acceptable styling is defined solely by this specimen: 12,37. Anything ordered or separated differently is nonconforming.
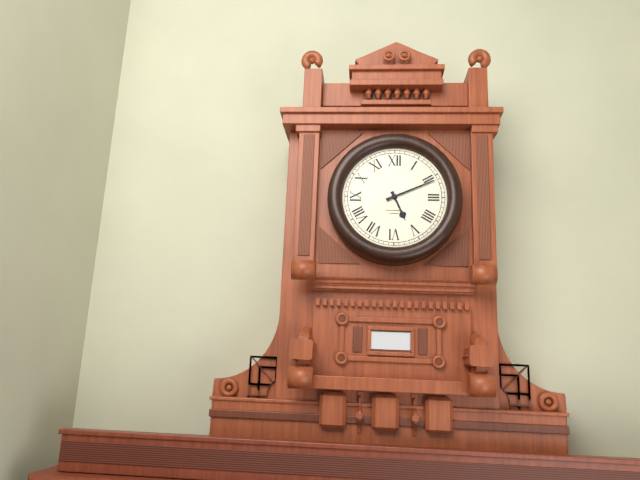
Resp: 5,11
